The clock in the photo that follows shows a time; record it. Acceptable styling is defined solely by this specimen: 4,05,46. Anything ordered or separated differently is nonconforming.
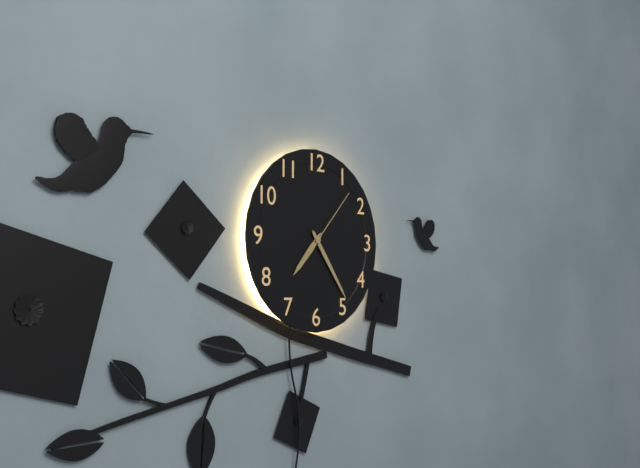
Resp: 7,24,07
